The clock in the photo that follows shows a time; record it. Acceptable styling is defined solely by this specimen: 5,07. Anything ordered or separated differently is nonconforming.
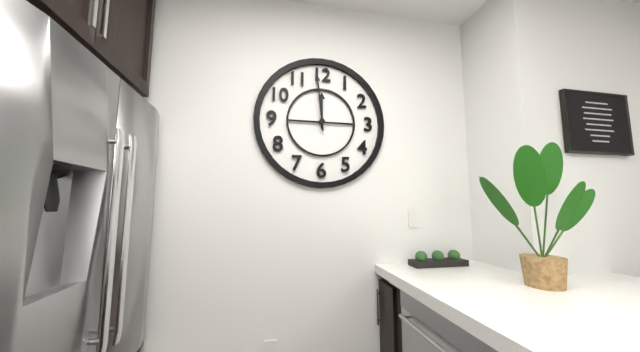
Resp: 11,59
